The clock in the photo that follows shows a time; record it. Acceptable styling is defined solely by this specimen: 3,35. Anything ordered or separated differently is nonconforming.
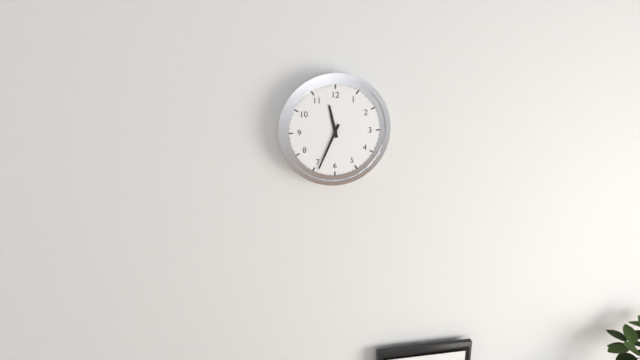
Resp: 11,34
